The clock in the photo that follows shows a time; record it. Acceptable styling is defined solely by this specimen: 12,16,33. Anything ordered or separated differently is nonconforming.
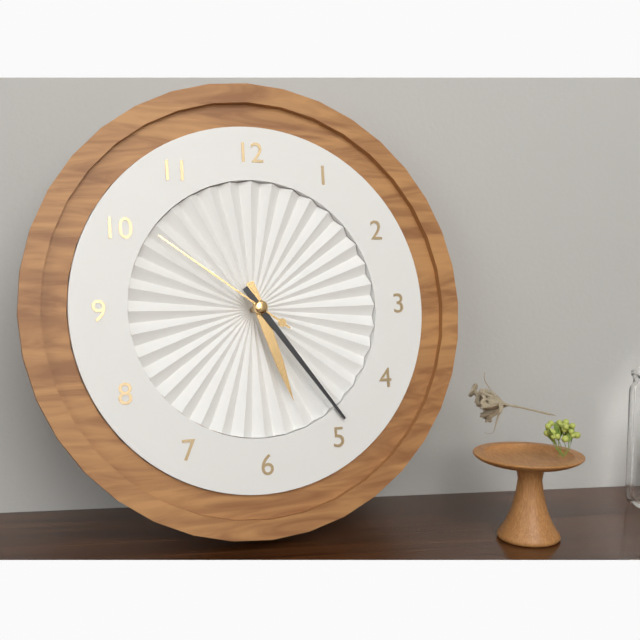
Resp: 5,24,51
